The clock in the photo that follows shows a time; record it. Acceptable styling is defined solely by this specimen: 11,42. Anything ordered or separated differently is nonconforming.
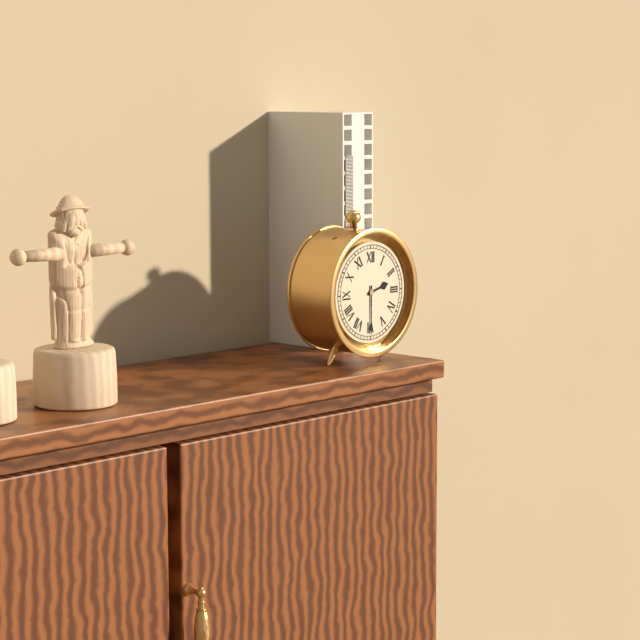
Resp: 2,30
